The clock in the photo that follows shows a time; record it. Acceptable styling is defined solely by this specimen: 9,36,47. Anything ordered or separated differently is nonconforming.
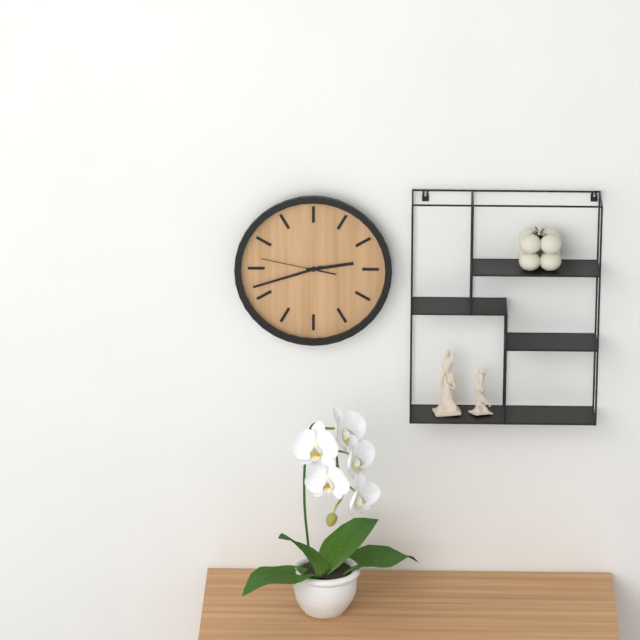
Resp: 2,42,47
